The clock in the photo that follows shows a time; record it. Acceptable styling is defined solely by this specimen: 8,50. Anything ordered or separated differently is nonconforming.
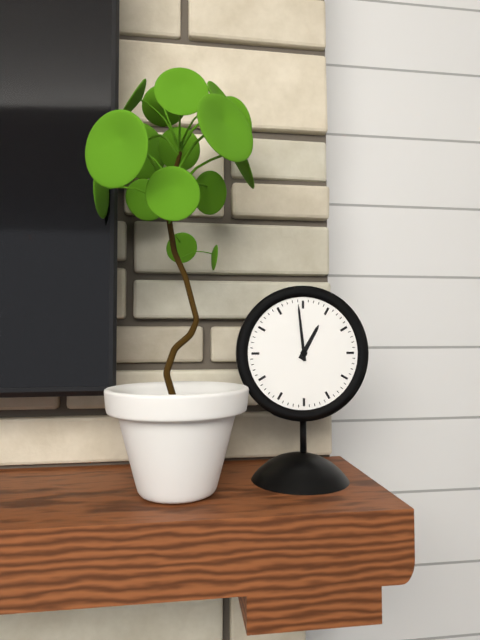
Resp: 12,59
